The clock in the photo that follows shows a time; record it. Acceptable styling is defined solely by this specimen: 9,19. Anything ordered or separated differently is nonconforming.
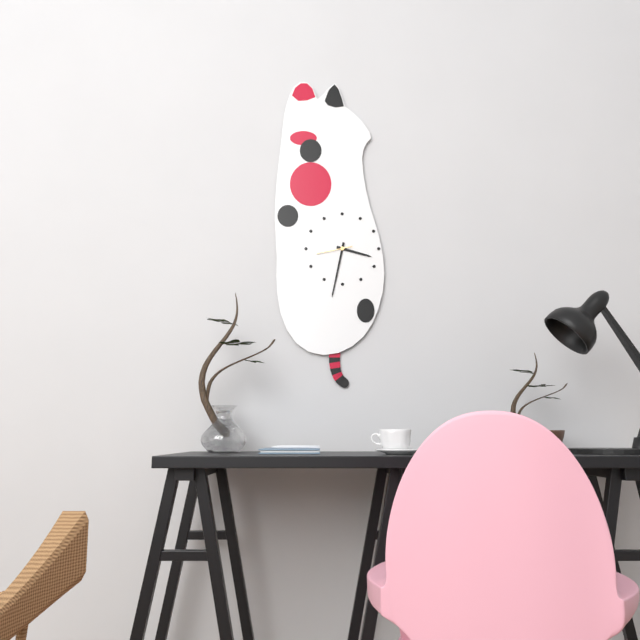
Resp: 3,32
